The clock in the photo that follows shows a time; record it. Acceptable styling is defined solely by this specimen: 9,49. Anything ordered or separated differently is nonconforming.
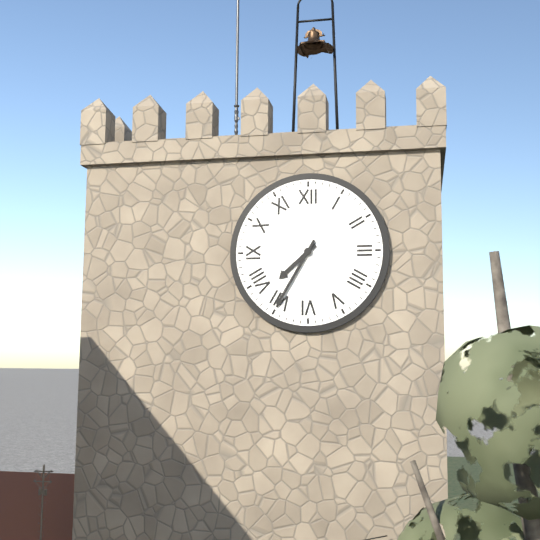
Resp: 7,35
